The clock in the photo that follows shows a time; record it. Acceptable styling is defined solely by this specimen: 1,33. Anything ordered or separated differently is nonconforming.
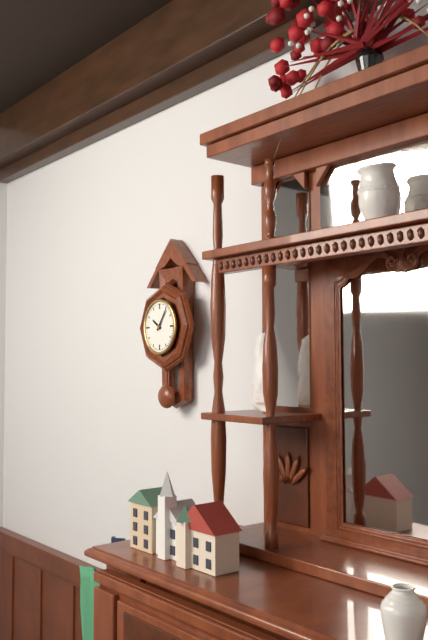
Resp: 10,06
